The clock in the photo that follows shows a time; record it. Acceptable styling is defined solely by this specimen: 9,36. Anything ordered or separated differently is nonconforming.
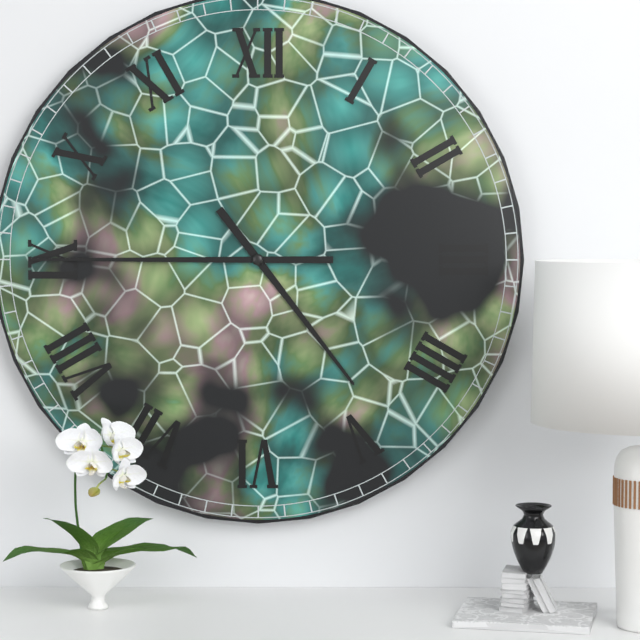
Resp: 4,45
